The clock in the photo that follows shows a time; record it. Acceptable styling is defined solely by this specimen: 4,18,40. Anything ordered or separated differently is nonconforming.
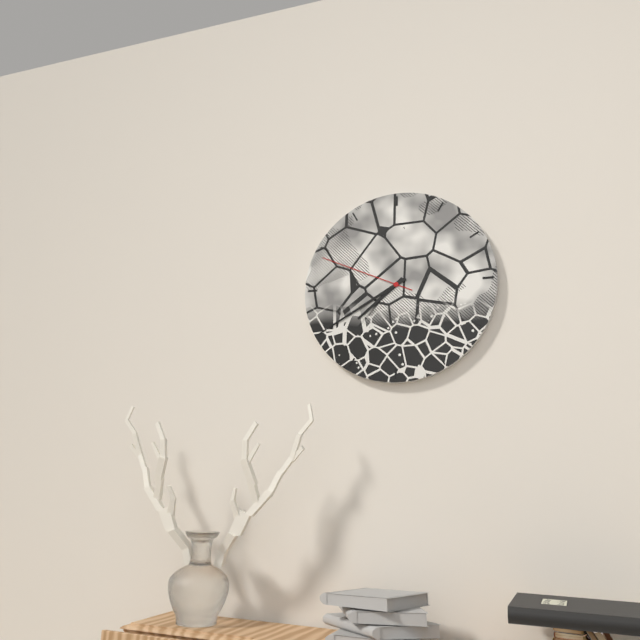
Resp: 7,40,49
